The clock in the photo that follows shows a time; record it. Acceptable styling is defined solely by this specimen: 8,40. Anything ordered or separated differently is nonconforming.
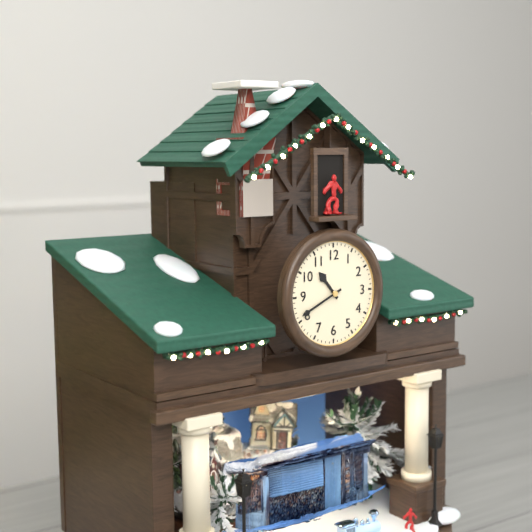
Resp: 10,41
